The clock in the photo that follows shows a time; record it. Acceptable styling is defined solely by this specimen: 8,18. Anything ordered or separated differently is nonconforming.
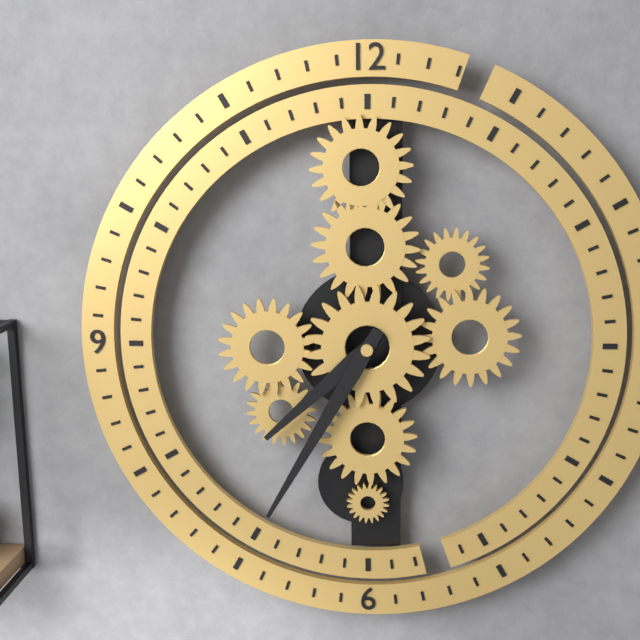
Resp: 7,35
